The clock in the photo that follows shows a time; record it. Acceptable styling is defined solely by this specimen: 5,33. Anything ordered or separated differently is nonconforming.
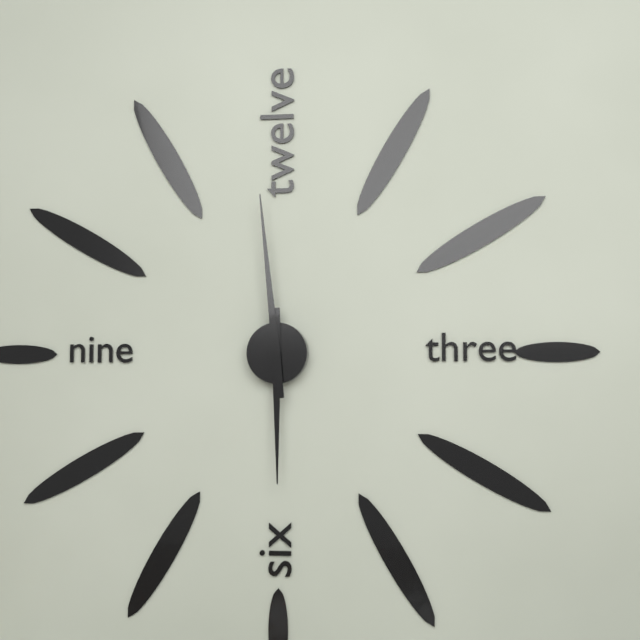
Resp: 5,59
